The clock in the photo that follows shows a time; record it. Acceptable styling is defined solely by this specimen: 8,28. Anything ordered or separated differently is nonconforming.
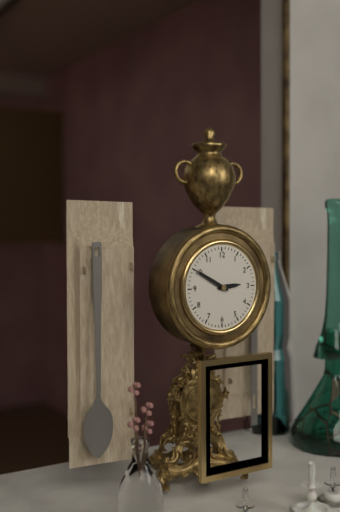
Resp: 2,50
